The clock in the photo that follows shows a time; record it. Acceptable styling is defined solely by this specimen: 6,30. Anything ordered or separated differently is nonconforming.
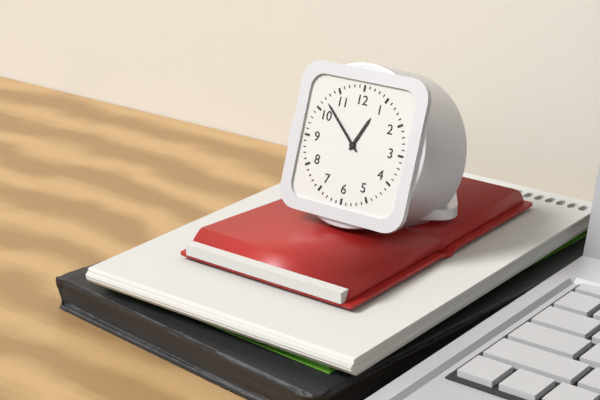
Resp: 12,52
